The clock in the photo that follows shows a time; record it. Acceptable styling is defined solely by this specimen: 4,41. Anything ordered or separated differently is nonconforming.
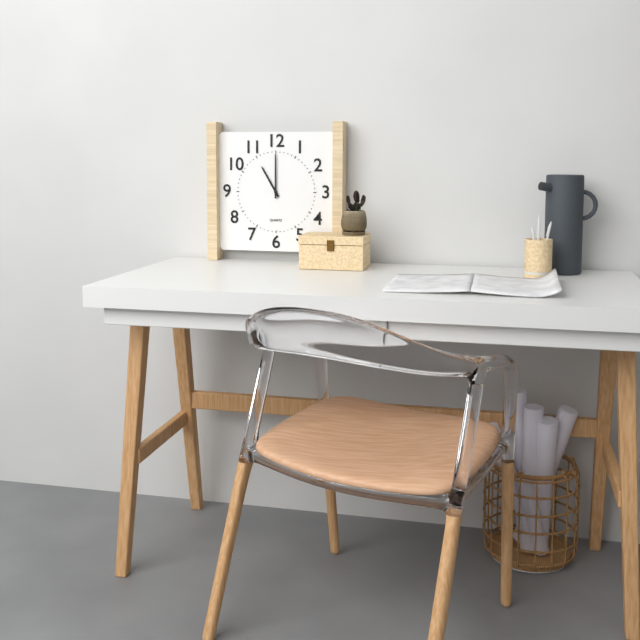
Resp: 11,00
